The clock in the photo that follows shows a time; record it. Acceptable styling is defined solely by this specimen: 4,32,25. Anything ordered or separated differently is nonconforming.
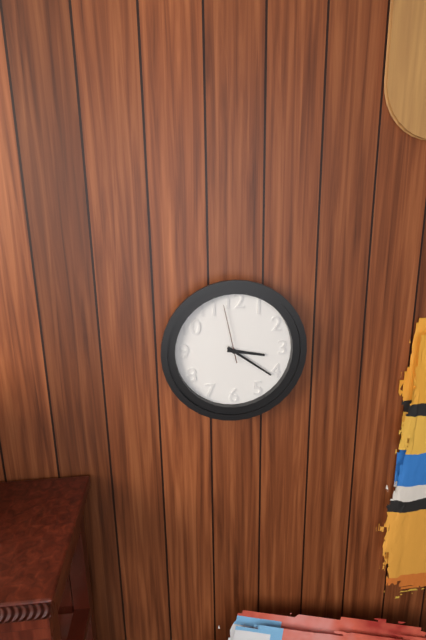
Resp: 3,21,58
